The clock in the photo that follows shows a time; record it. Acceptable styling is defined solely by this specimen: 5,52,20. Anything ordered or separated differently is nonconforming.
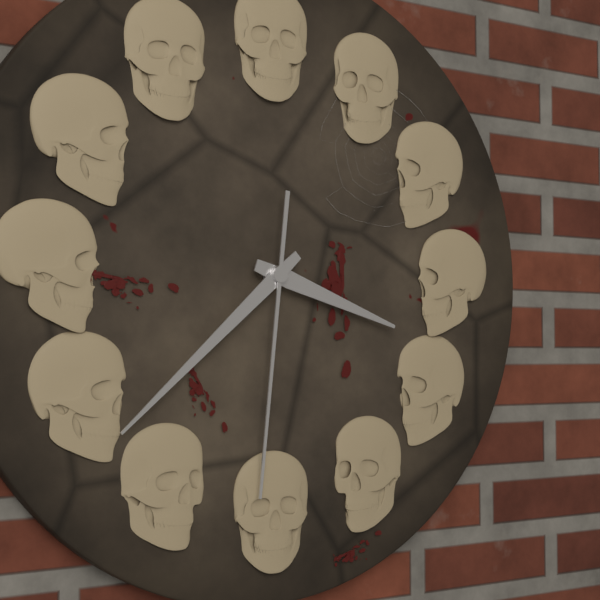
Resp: 3,38,31
